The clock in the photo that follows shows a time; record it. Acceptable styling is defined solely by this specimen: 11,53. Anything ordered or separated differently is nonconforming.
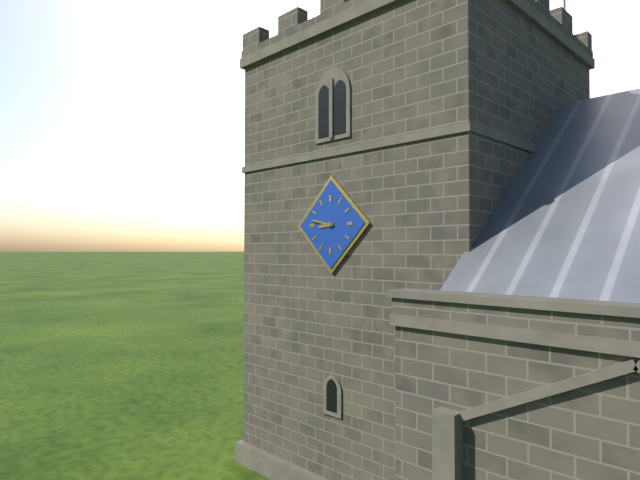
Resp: 8,47
